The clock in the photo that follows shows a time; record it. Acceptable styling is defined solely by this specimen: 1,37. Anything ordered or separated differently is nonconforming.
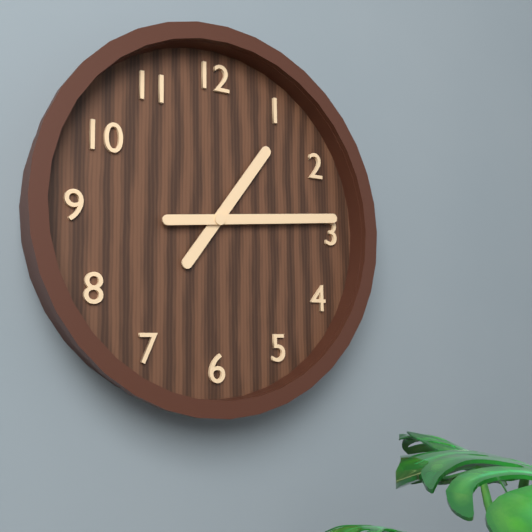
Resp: 1,14
